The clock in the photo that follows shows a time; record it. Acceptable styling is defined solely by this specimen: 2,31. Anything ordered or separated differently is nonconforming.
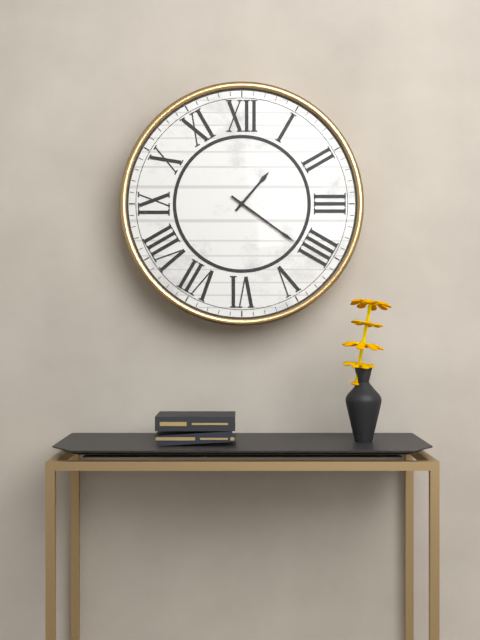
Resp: 1,21
